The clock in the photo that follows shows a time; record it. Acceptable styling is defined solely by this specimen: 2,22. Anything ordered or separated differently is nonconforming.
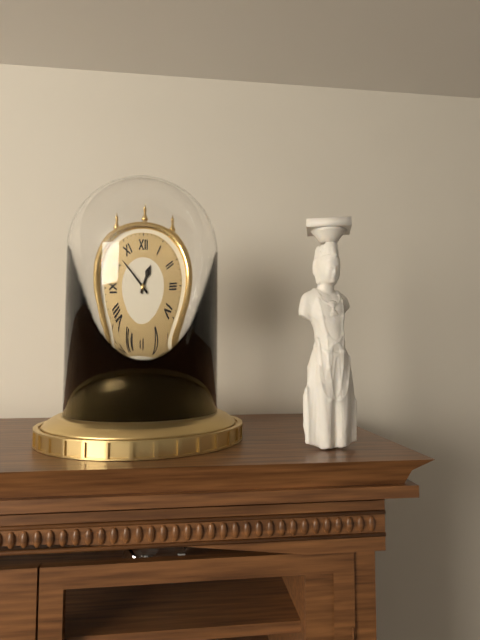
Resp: 12,52
